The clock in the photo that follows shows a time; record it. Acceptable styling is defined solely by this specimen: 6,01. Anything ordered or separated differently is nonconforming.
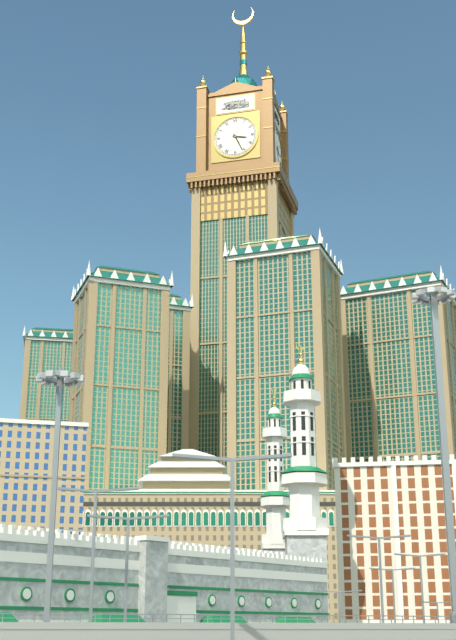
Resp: 3,26
